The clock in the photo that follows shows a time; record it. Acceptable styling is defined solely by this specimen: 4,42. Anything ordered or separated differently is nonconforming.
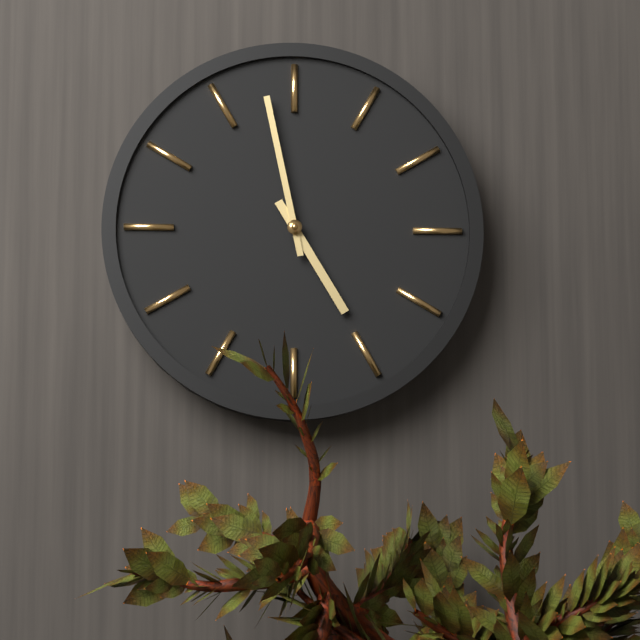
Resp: 4,58
